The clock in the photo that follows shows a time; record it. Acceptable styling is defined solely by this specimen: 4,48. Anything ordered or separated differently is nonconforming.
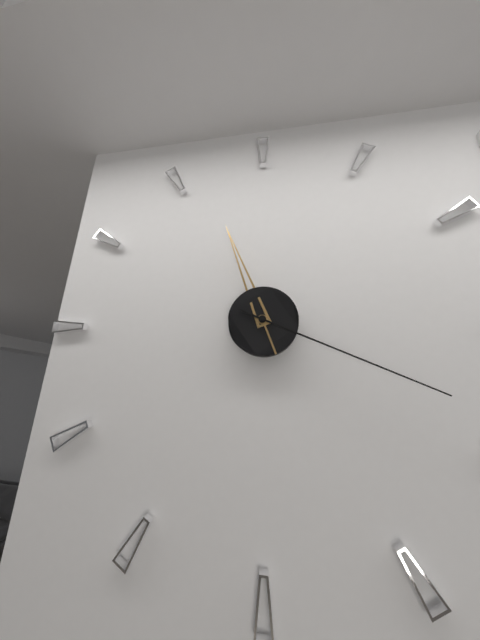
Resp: 11,19
